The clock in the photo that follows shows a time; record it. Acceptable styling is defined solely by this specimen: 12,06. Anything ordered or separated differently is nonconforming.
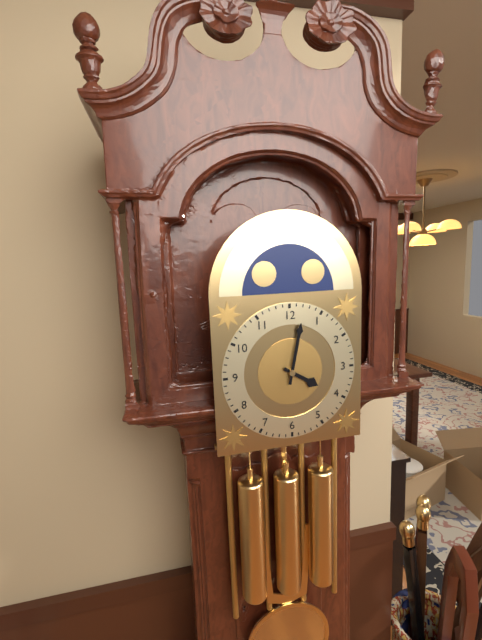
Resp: 4,02
